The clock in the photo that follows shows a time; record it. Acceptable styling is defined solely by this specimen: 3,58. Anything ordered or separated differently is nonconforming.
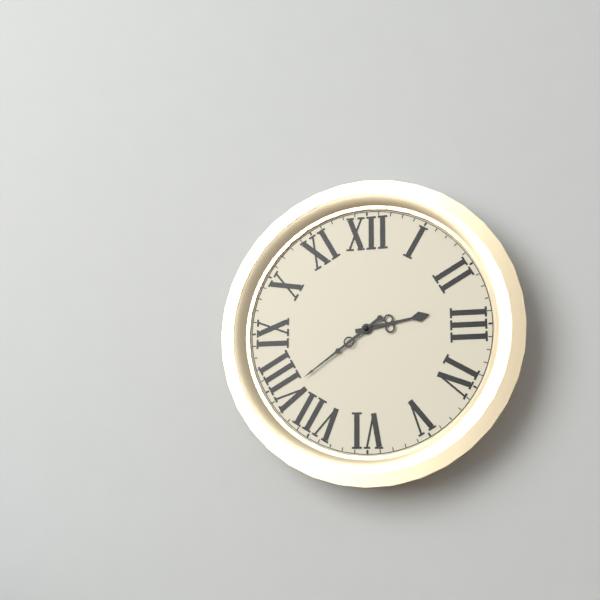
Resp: 2,39
